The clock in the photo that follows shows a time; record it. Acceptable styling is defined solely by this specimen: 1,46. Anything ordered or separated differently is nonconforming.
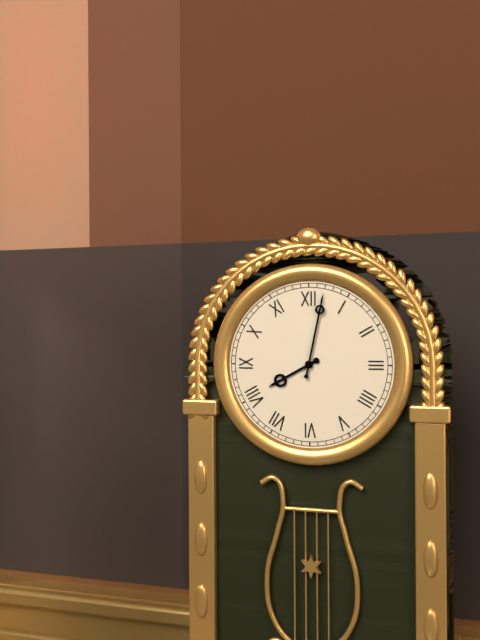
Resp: 8,02
